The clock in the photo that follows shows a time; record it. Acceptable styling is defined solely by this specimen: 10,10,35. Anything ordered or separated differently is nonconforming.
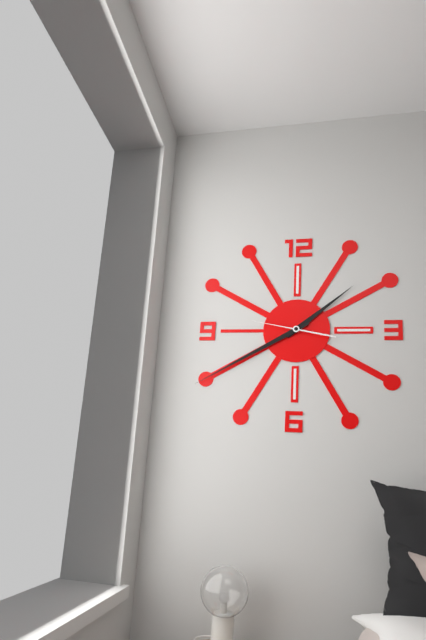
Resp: 1,40,47
